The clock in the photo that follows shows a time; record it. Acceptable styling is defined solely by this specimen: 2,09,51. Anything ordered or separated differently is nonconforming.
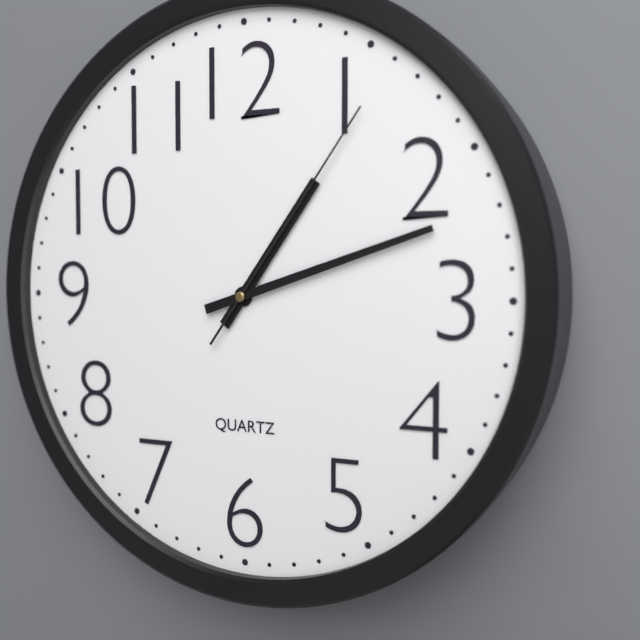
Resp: 1,12,06
